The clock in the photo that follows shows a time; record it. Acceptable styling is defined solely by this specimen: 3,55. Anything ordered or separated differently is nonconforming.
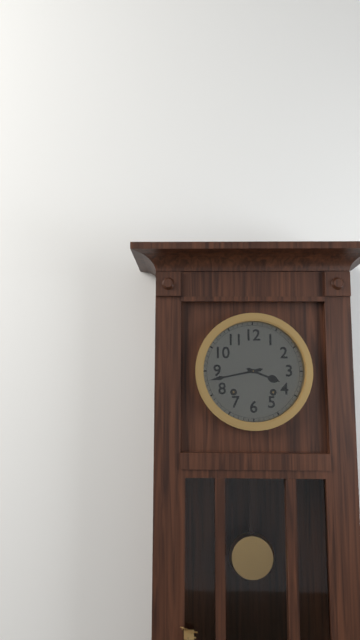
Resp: 3,43
